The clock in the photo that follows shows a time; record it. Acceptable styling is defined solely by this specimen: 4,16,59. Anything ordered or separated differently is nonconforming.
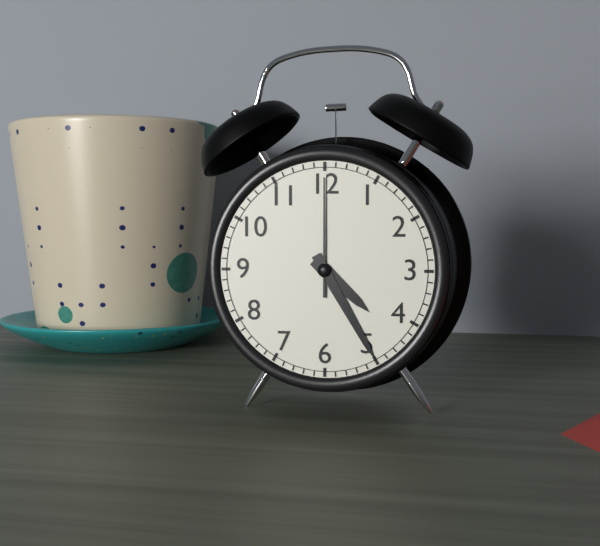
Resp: 4,25,00
